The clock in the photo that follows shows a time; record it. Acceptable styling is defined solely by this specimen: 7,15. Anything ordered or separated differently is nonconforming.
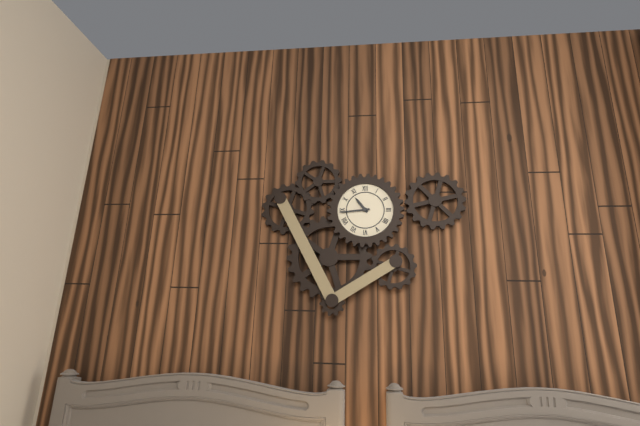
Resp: 10,44
